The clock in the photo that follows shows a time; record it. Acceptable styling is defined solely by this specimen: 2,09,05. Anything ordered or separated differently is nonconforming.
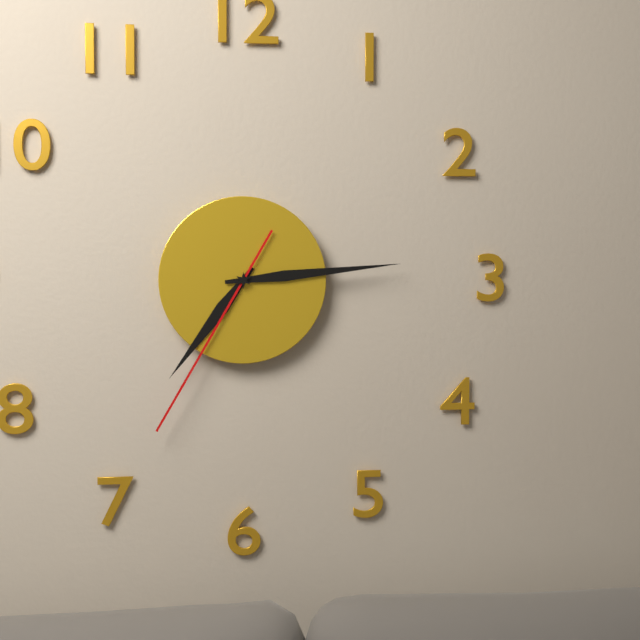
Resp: 7,14,35
